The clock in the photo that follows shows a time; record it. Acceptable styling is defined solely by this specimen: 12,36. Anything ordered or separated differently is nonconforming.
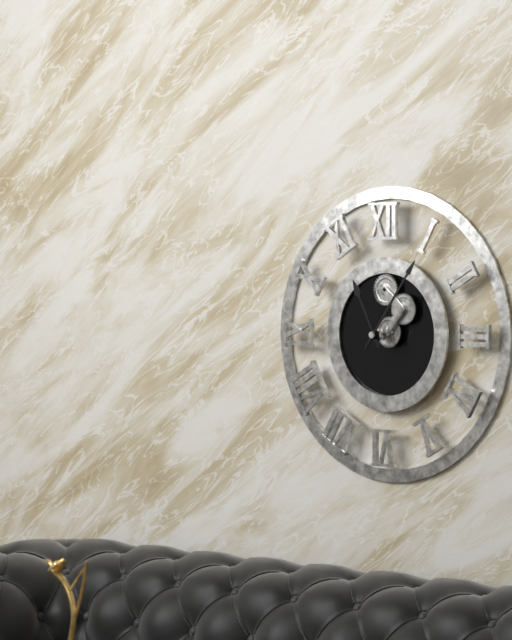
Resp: 11,06
